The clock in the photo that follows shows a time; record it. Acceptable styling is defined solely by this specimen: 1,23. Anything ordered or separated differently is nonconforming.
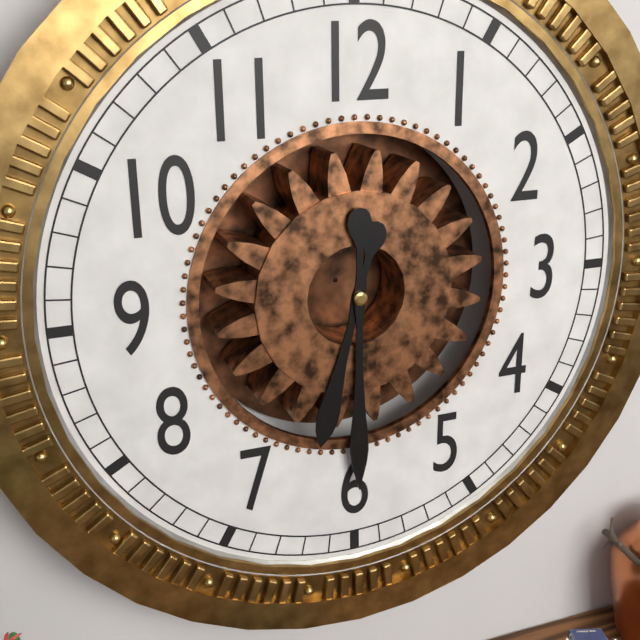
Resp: 6,30
